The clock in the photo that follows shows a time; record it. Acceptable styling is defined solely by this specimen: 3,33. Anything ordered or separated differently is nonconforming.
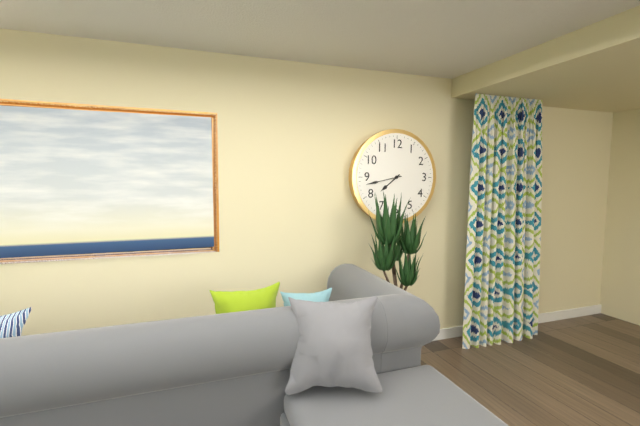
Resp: 7,43
